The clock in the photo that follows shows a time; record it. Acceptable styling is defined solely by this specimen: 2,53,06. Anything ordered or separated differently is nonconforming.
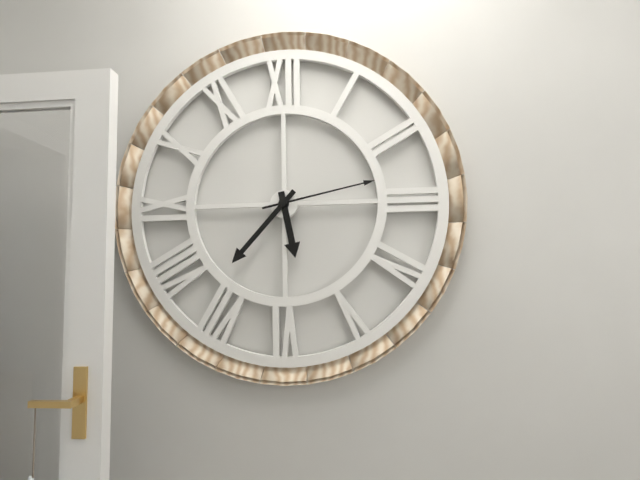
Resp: 5,37,13
